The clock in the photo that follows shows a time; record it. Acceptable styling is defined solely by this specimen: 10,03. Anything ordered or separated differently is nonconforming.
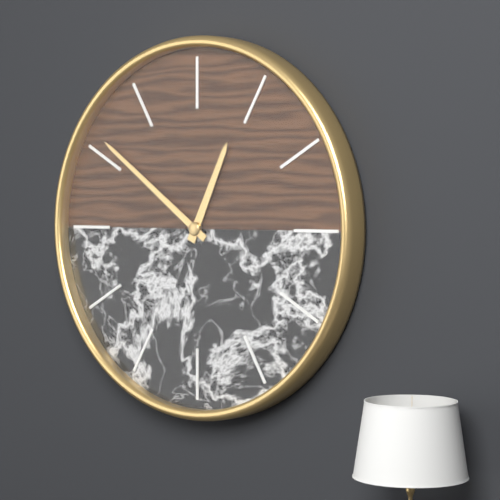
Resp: 12,51
